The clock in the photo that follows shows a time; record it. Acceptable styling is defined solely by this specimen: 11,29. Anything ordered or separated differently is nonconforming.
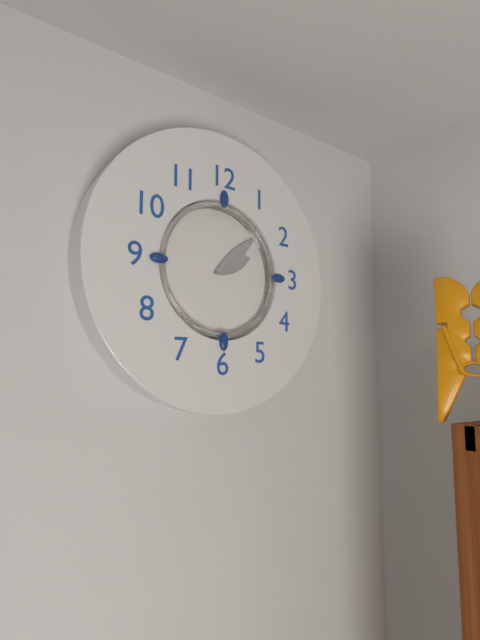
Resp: 2,08
